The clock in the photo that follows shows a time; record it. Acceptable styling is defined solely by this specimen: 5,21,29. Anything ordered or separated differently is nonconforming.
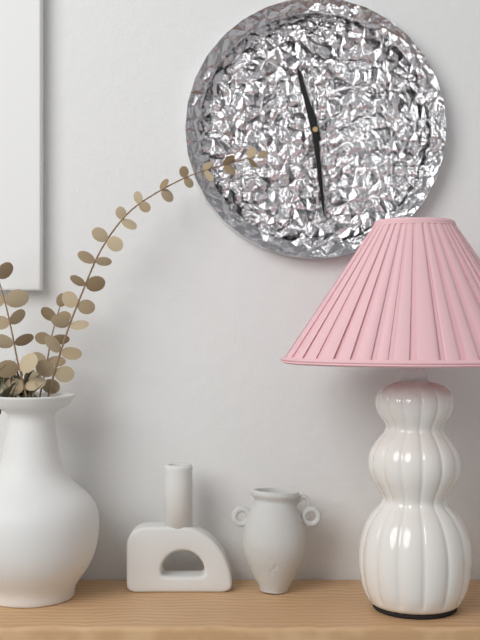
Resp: 11,29,29
